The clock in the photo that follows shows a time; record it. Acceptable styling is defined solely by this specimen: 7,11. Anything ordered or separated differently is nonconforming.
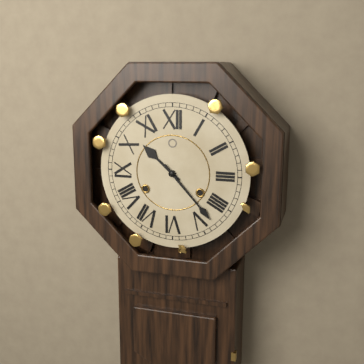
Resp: 10,23
